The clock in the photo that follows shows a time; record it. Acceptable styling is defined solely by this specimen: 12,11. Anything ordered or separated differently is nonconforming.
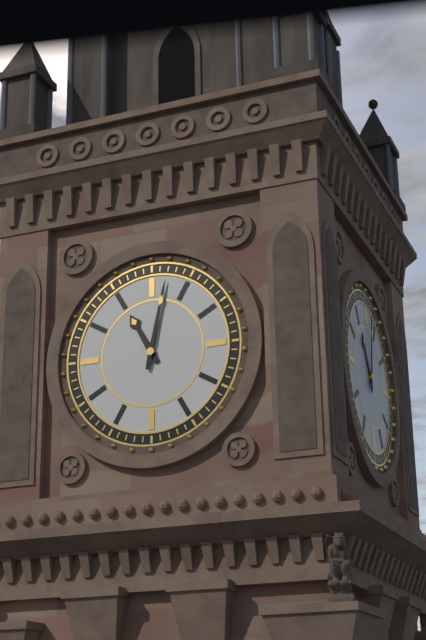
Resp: 11,02
